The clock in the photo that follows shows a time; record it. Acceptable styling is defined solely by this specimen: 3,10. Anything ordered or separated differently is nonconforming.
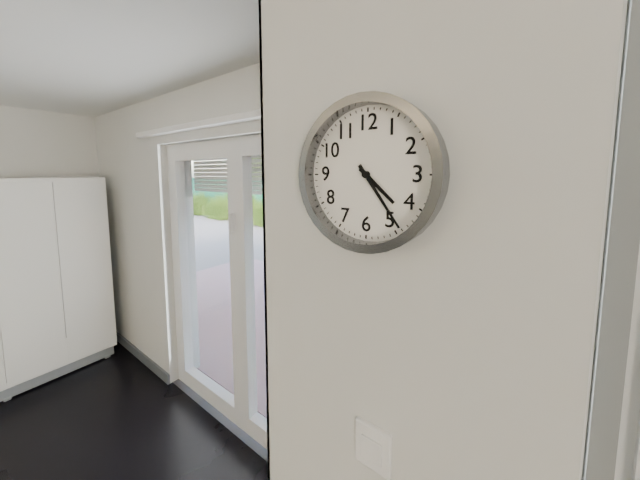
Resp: 4,24
